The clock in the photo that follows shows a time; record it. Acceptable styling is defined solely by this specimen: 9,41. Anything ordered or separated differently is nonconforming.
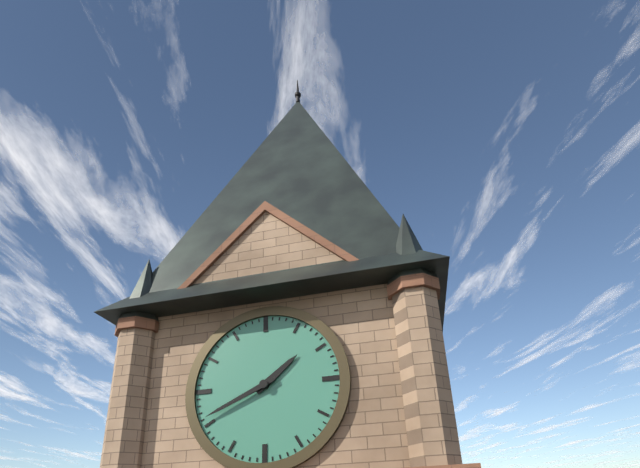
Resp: 1,41
